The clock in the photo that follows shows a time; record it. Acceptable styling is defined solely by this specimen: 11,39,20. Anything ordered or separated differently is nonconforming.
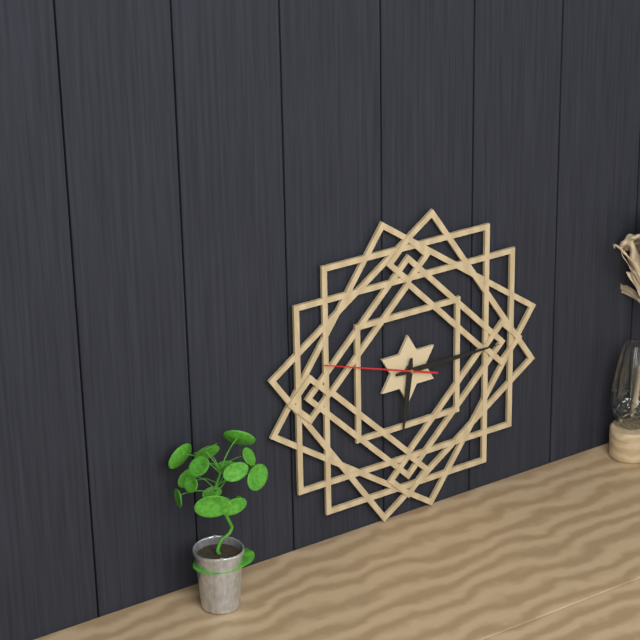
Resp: 6,15,48
